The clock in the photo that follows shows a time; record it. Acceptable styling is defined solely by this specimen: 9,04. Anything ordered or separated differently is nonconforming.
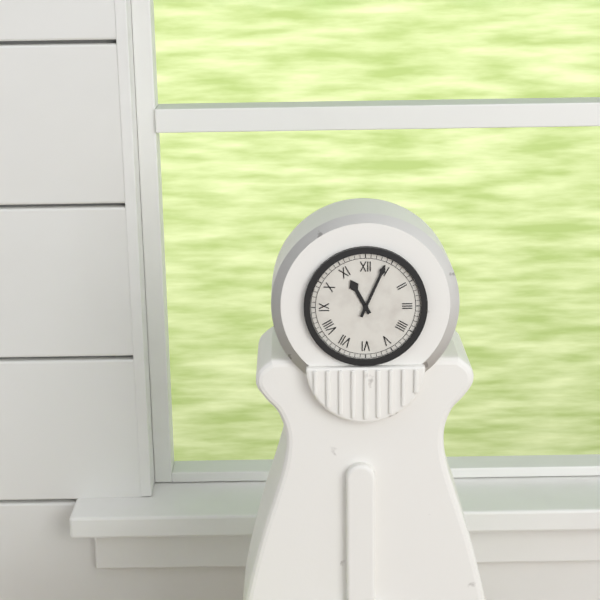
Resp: 11,04
